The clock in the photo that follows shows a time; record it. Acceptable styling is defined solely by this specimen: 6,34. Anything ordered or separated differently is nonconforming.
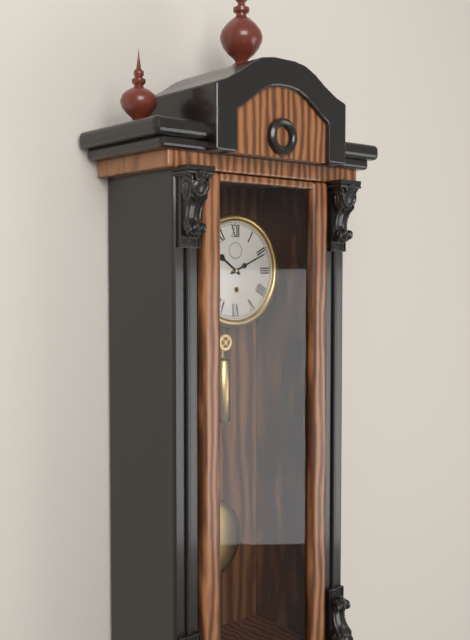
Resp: 10,11
